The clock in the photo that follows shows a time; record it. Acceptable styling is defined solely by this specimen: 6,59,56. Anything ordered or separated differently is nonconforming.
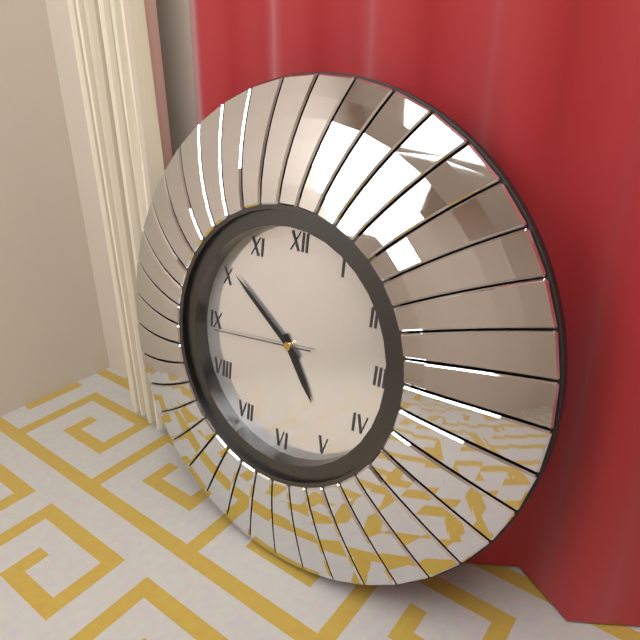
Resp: 4,51,44
